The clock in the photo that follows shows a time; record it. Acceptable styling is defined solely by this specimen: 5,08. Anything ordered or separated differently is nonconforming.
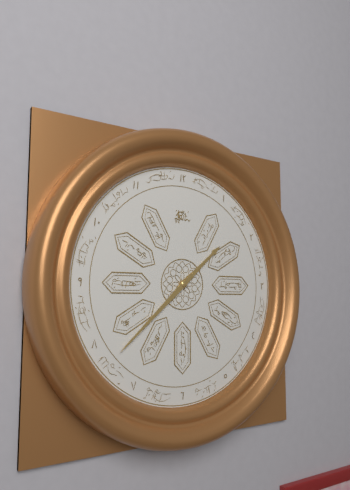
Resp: 1,38
